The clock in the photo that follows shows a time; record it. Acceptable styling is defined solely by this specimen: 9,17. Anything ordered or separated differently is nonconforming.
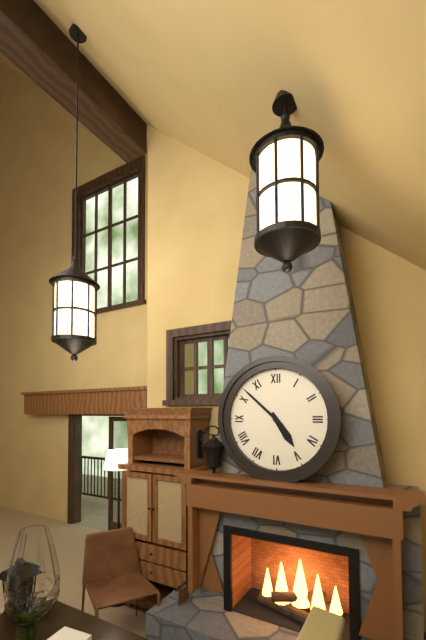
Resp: 4,52
